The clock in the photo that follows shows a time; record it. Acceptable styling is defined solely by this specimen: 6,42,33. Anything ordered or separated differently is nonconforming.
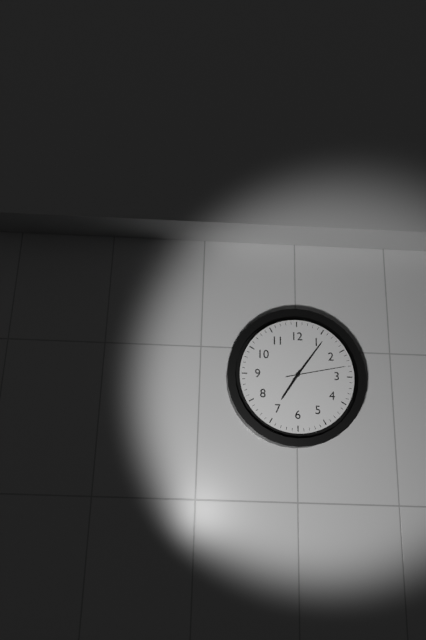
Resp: 7,06,13
